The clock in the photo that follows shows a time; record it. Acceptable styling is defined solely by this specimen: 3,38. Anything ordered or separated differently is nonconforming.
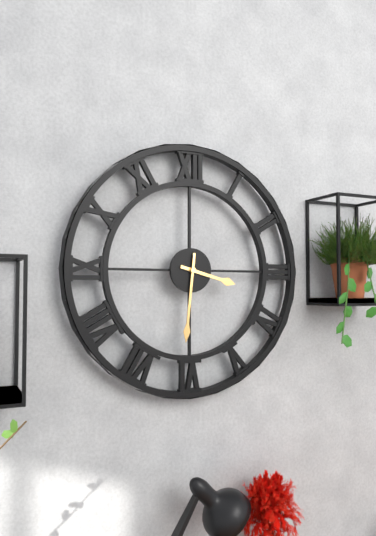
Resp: 3,31
